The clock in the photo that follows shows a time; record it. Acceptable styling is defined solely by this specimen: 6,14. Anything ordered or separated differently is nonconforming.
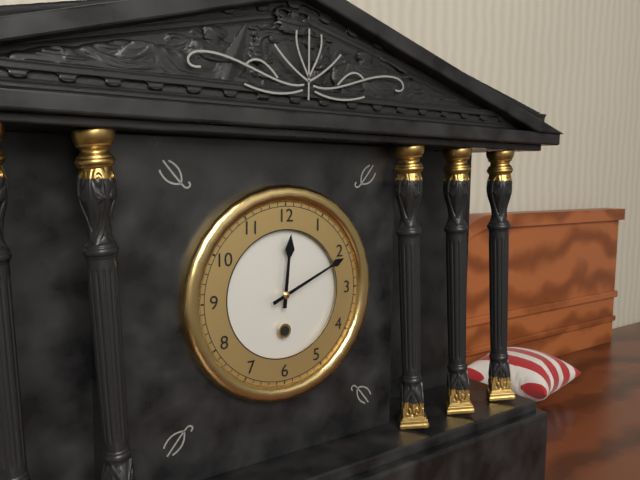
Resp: 12,11
